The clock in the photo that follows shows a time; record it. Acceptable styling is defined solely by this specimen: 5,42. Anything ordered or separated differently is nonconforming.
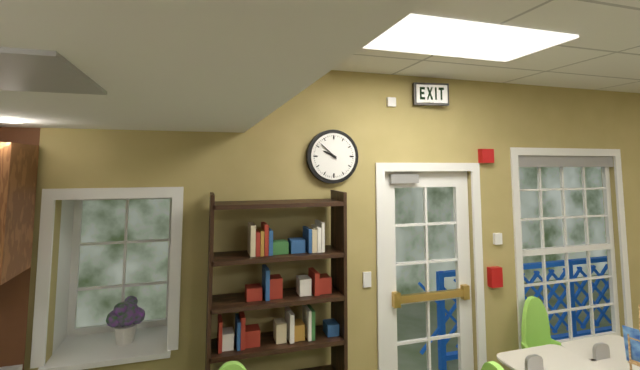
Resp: 9,52
